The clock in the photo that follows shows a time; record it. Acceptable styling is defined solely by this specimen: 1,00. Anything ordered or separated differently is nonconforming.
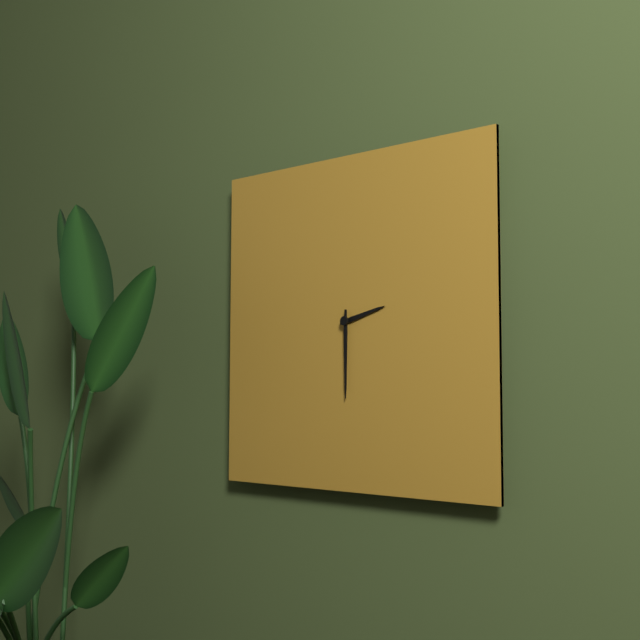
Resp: 2,30
